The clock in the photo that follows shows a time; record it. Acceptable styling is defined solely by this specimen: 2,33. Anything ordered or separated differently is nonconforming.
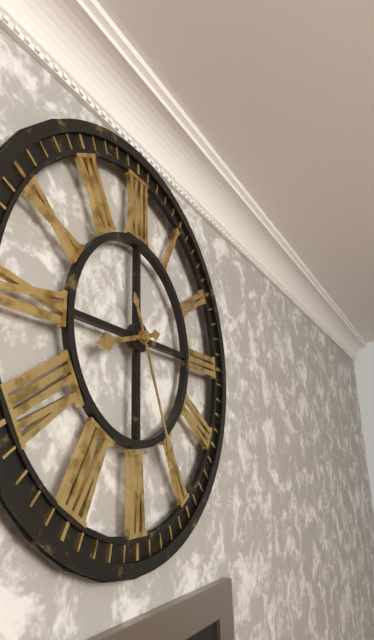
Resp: 8,26
